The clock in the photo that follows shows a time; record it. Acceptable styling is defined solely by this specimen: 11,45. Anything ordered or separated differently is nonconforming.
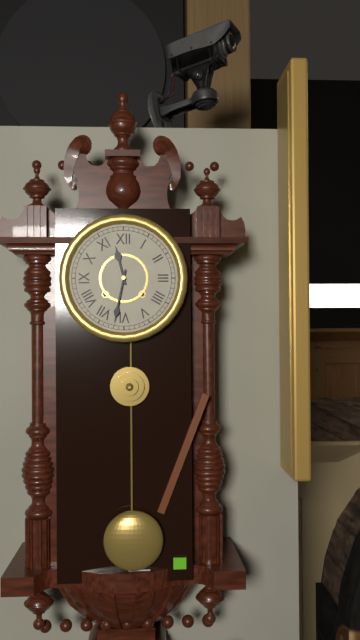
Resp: 11,32
